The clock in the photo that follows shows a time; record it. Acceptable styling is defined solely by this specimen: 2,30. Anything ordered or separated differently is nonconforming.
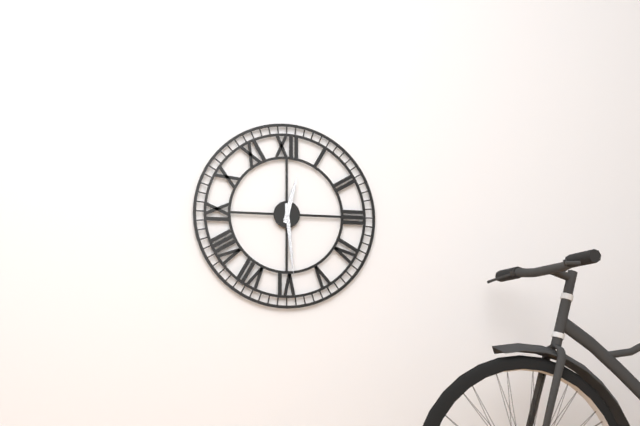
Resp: 12,29
